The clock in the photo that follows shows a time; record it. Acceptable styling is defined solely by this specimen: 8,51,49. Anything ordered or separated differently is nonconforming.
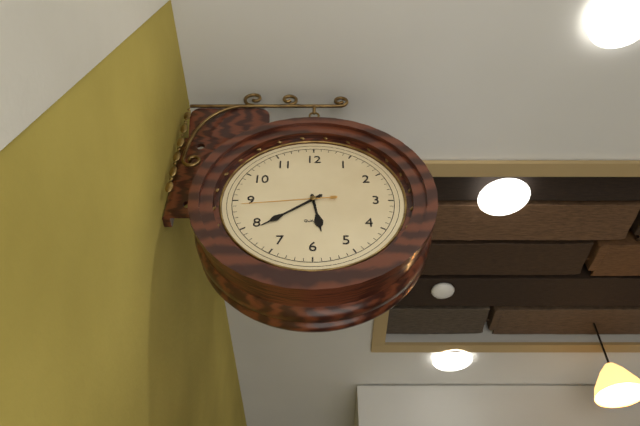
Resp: 5,39,44
